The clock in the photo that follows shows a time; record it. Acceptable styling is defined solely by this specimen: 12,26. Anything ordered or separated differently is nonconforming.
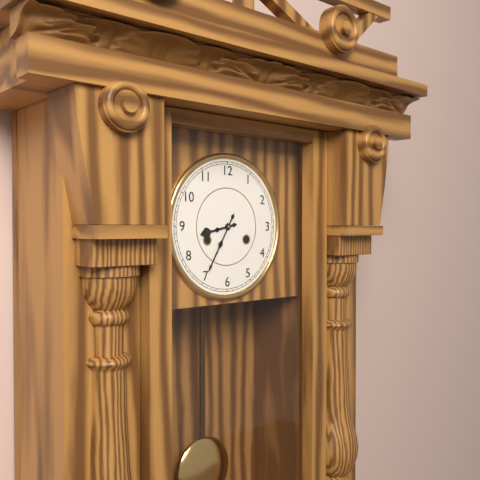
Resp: 8,35
